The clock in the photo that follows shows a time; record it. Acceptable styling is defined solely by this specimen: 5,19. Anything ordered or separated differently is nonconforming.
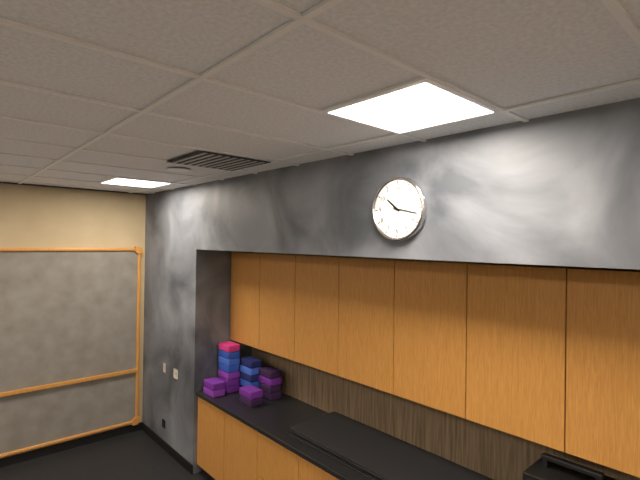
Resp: 10,17
